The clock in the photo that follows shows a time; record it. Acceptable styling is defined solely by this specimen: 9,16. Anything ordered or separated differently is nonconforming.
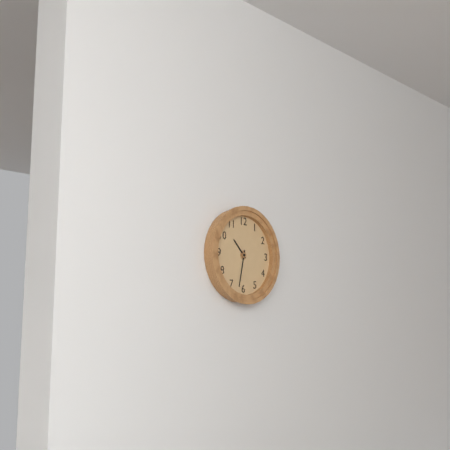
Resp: 10,32
